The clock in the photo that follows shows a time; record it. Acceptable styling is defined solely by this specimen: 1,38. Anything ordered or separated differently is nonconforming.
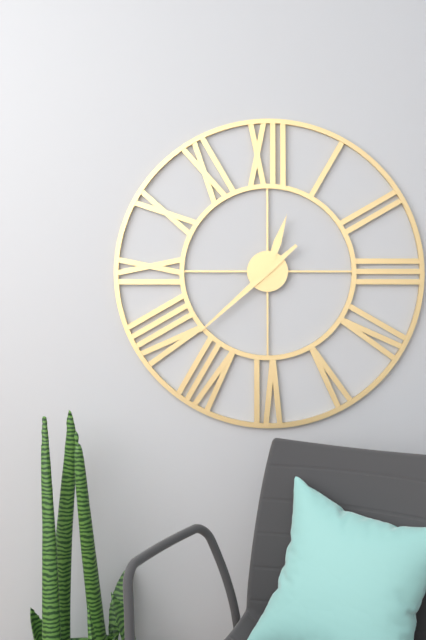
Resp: 12,38
